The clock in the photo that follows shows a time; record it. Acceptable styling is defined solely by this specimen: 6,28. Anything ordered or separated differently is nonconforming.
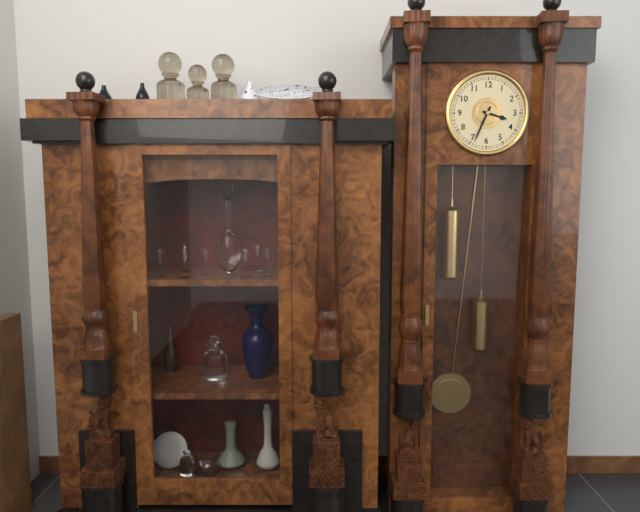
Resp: 3,34
